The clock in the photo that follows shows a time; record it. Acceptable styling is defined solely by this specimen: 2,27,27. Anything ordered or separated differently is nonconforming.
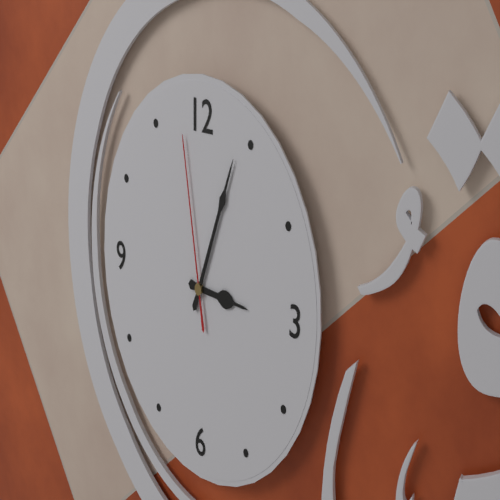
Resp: 3,04,58
